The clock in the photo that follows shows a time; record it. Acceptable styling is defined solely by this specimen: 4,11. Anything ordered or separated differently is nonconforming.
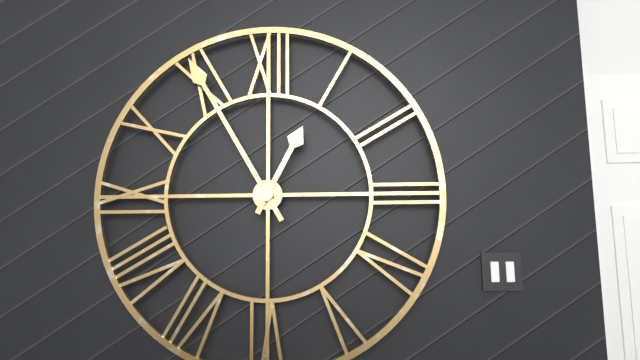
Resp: 12,55
